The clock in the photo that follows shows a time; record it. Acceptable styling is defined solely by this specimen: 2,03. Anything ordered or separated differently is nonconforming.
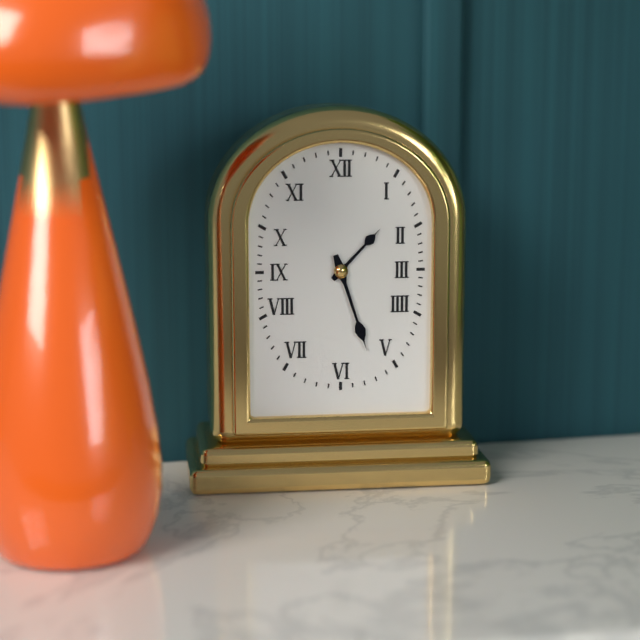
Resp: 1,27
